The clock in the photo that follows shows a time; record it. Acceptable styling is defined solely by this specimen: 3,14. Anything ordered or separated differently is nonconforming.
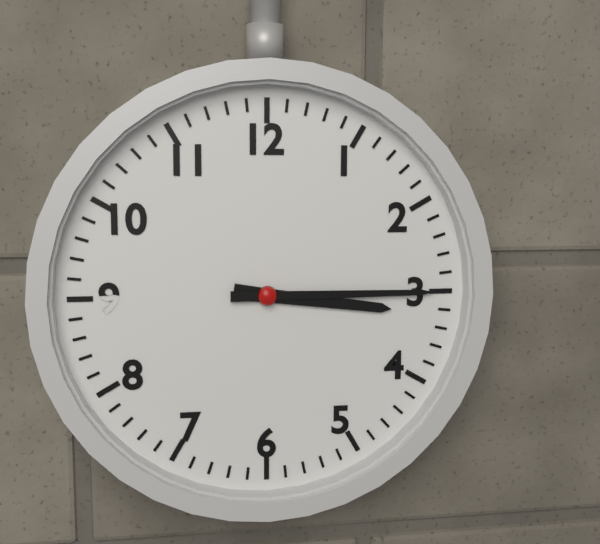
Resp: 3,15
